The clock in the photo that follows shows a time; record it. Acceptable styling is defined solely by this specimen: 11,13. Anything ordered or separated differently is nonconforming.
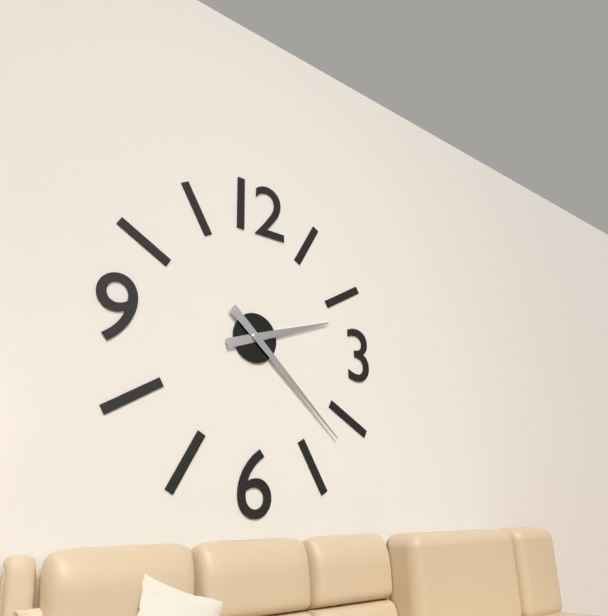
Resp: 2,22
